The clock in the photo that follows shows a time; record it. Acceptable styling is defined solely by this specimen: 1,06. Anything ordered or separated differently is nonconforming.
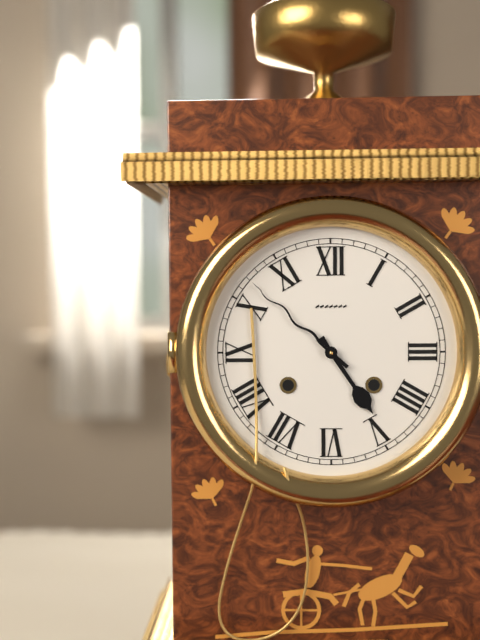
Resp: 4,52
